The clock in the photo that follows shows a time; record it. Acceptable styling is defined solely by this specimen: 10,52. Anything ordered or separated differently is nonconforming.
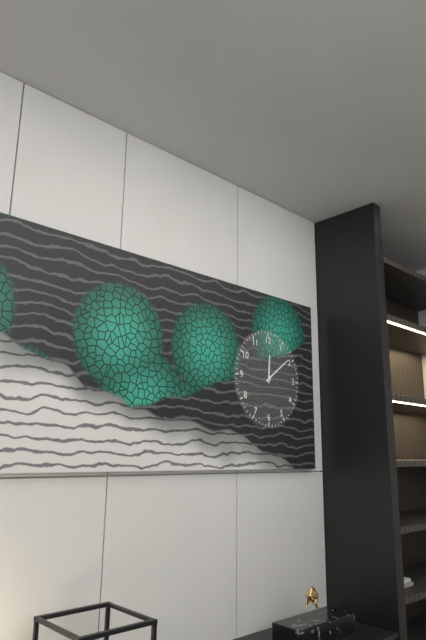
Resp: 12,09
